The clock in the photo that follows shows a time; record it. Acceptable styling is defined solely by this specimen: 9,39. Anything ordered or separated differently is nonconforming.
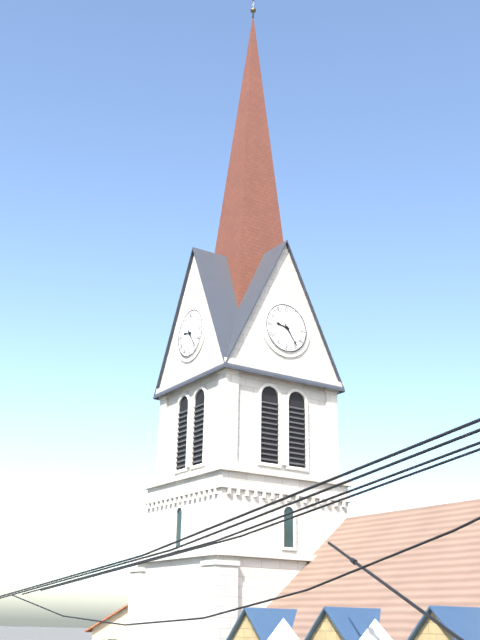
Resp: 9,24
